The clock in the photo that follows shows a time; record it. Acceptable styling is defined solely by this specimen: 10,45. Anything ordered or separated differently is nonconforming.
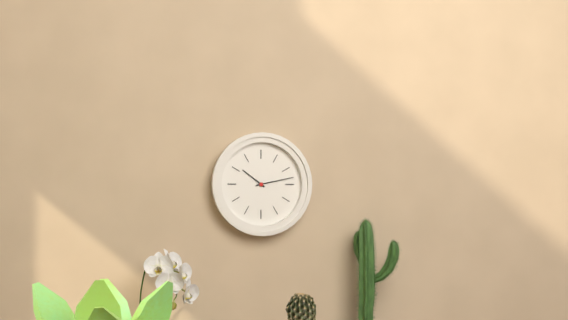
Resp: 10,13
